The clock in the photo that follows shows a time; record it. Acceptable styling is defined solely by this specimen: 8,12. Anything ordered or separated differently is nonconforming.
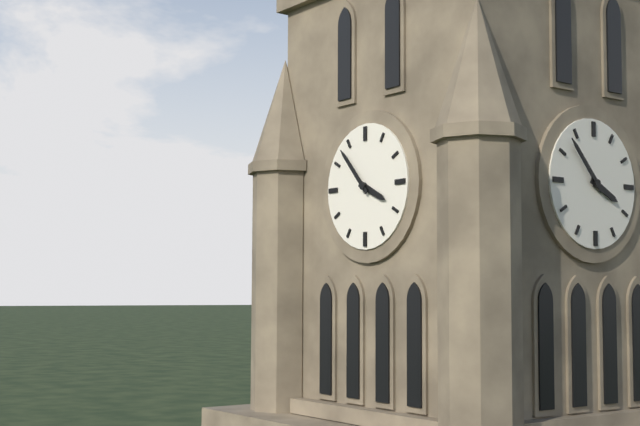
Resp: 3,53
